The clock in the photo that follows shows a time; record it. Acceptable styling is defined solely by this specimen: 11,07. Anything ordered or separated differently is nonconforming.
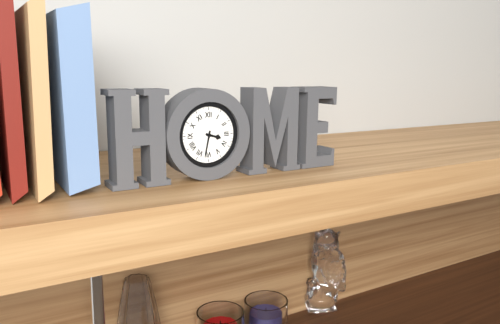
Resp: 3,32
